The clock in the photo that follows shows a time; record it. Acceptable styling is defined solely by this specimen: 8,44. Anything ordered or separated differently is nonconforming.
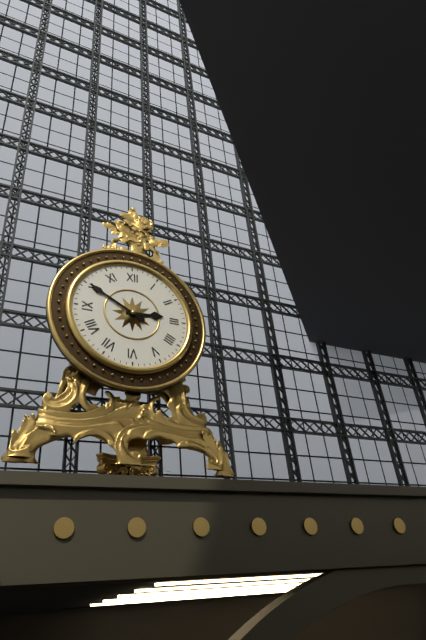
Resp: 2,50
